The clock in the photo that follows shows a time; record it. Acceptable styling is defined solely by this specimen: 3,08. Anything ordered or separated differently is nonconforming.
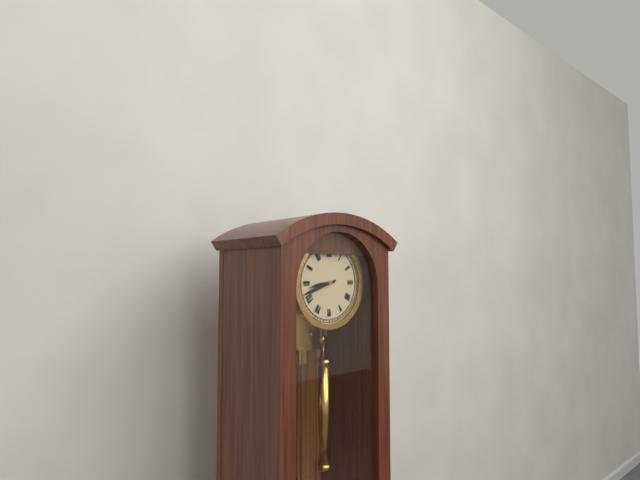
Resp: 8,42
